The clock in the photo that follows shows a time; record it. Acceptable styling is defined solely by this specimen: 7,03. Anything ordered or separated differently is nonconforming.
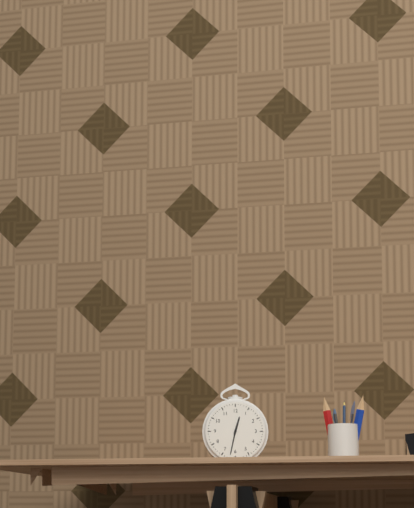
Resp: 12,32
